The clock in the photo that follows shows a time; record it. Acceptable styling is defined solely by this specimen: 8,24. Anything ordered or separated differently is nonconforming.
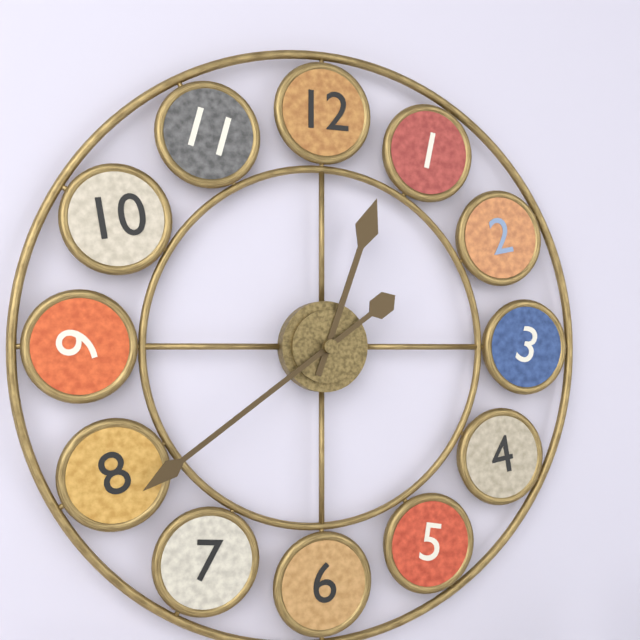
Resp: 12,39
